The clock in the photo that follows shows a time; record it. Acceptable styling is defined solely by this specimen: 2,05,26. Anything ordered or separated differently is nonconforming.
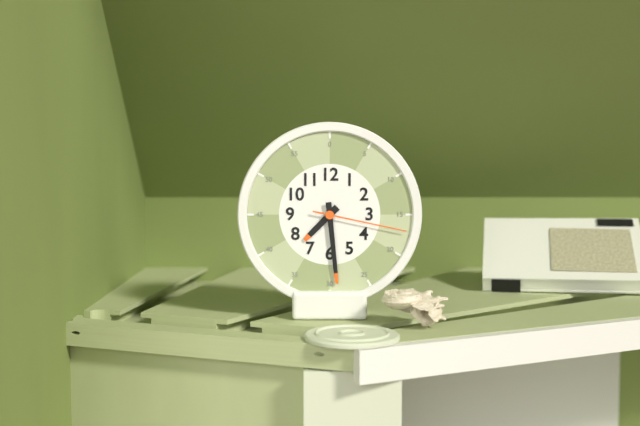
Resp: 7,29,17
